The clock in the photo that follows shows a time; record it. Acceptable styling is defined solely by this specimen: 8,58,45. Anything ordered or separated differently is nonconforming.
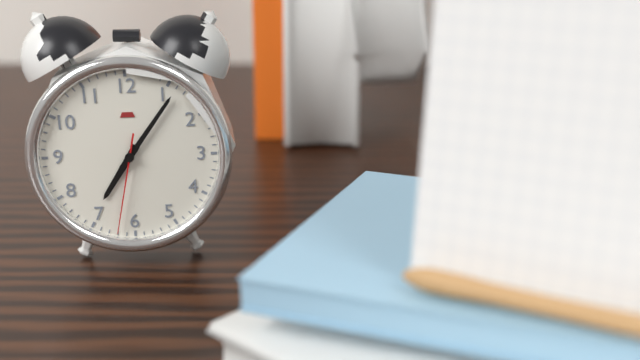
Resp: 7,06,32
